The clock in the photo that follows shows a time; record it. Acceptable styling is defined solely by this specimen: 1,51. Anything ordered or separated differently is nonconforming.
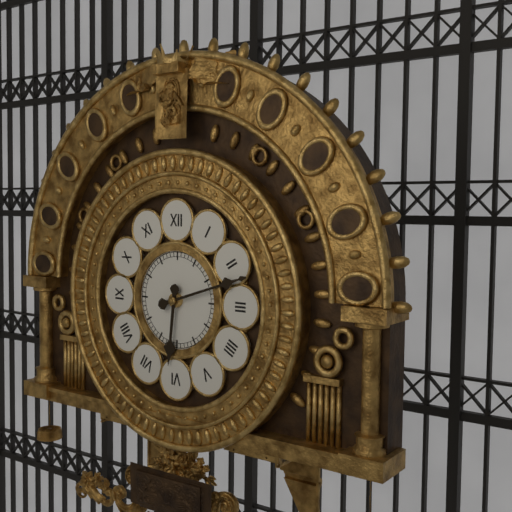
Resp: 6,12
